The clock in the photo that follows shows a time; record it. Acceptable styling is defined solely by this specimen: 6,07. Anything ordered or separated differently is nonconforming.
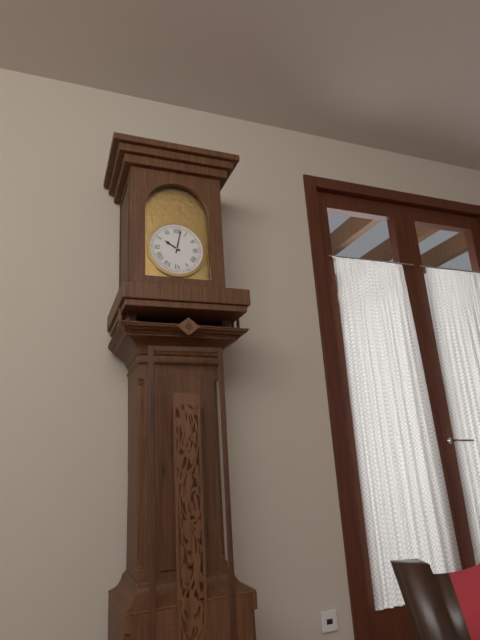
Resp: 10,02
